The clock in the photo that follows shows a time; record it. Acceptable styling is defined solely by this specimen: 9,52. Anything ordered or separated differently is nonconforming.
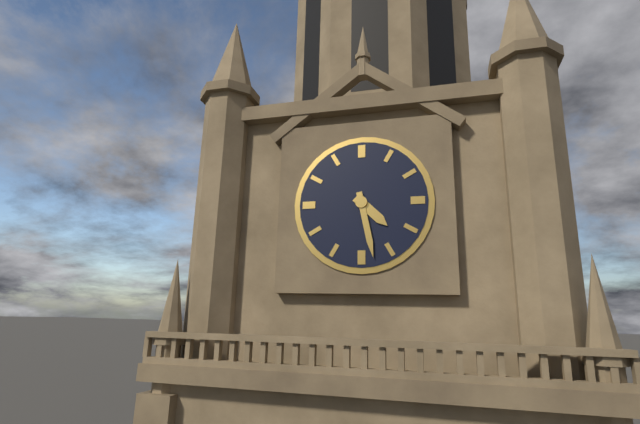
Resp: 4,28
